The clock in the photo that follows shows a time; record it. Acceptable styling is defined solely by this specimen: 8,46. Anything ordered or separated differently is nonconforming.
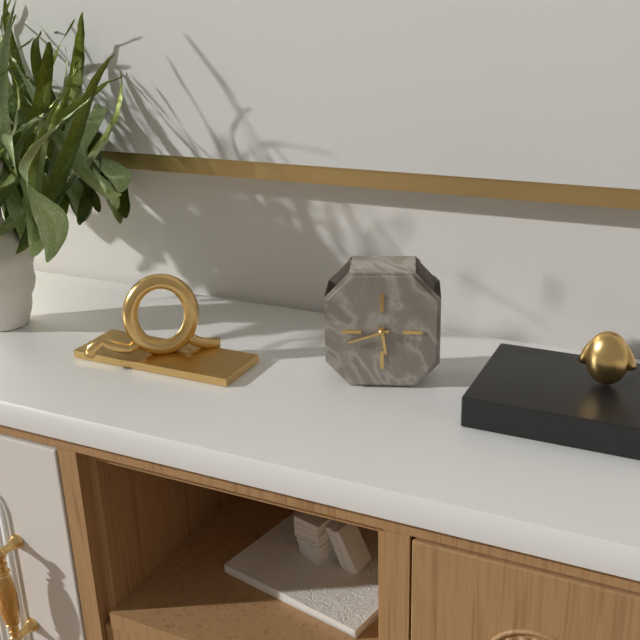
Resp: 5,42
